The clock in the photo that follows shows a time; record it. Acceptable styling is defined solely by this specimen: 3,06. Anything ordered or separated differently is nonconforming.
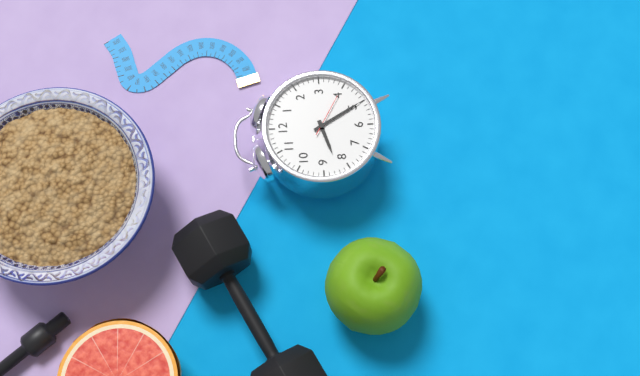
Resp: 8,25
